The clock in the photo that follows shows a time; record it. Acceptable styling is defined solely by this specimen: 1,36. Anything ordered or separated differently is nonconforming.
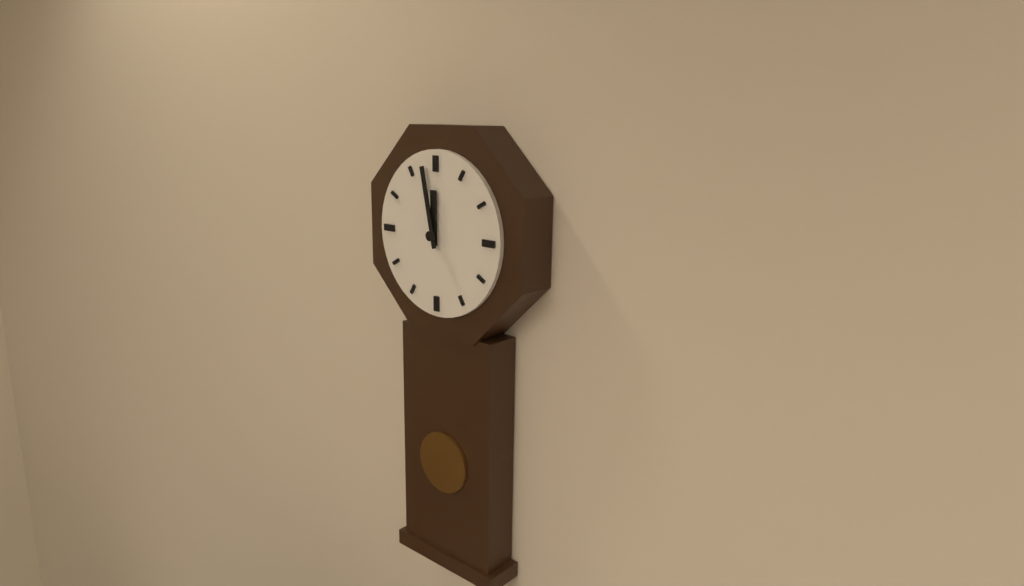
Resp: 11,58
